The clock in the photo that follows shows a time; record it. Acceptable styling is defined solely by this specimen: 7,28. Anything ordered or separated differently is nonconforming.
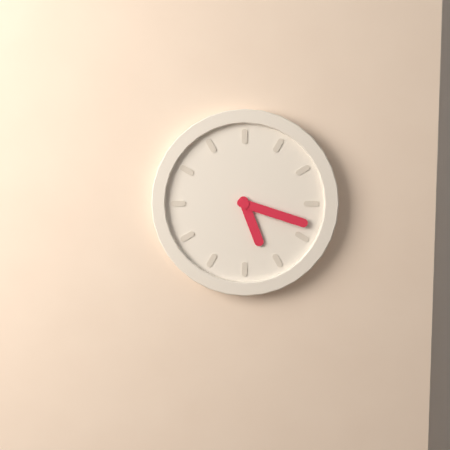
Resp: 5,18
